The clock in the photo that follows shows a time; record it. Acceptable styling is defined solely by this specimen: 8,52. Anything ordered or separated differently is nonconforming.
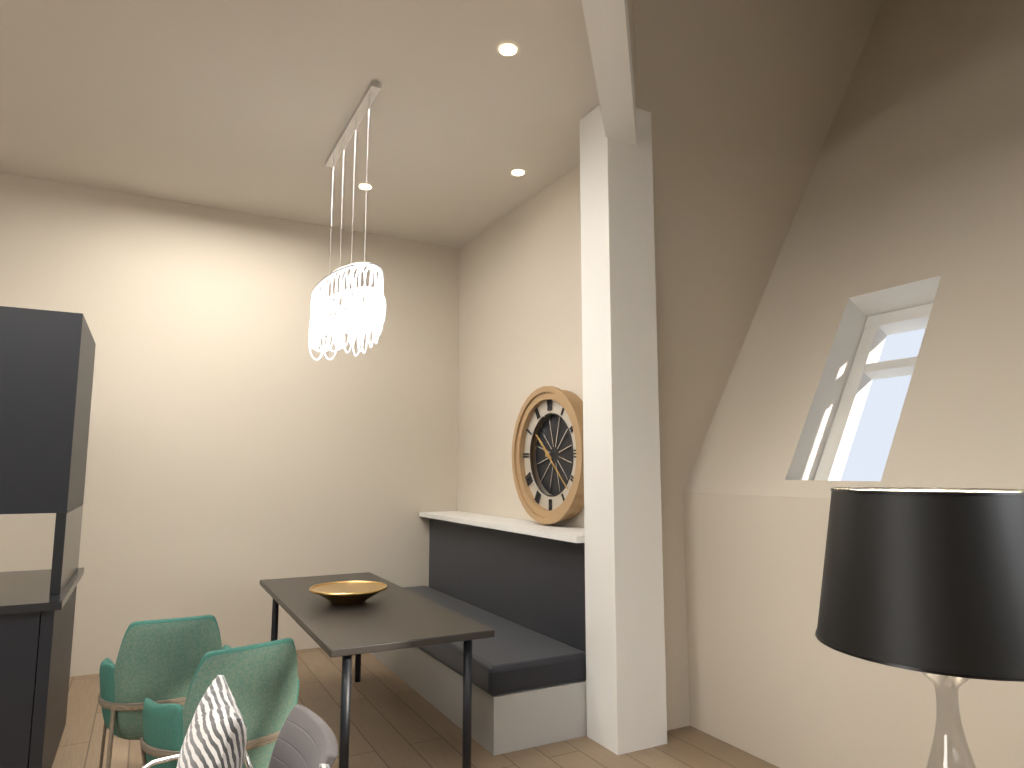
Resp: 10,22
